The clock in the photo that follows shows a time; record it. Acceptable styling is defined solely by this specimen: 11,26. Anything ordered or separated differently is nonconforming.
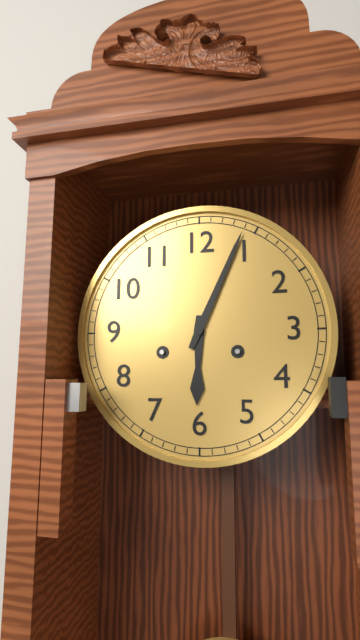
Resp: 6,04
